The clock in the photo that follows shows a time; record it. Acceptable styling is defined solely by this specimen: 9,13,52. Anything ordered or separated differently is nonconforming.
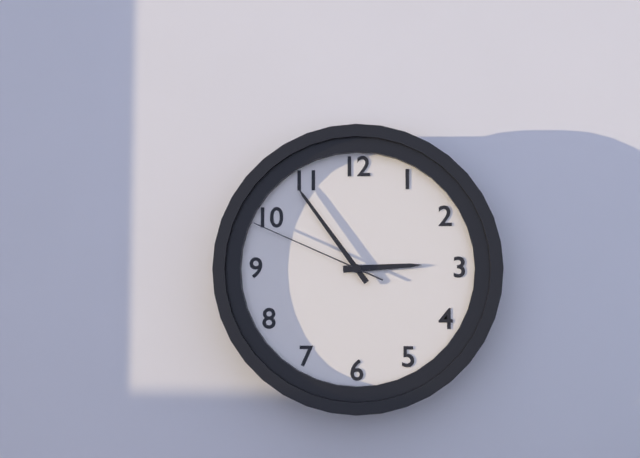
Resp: 2,54,49
